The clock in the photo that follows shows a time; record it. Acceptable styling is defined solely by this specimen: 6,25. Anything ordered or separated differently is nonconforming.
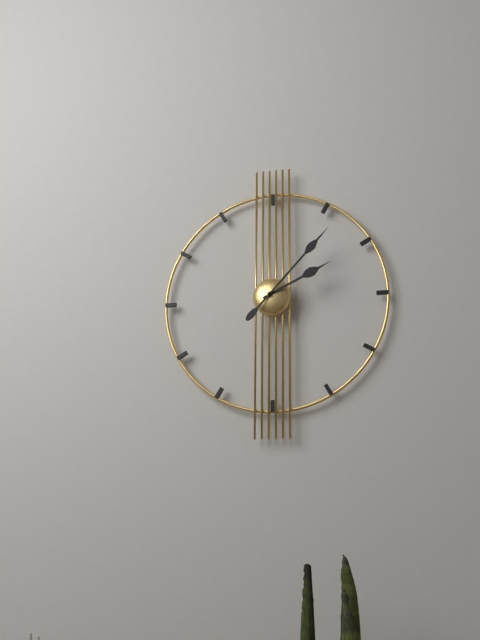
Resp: 2,07
